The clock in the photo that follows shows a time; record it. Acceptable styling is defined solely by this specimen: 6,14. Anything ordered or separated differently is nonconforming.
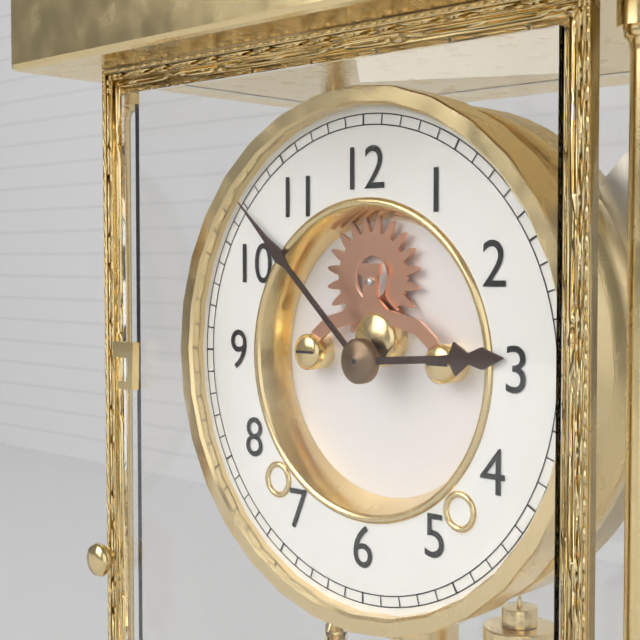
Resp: 2,52
